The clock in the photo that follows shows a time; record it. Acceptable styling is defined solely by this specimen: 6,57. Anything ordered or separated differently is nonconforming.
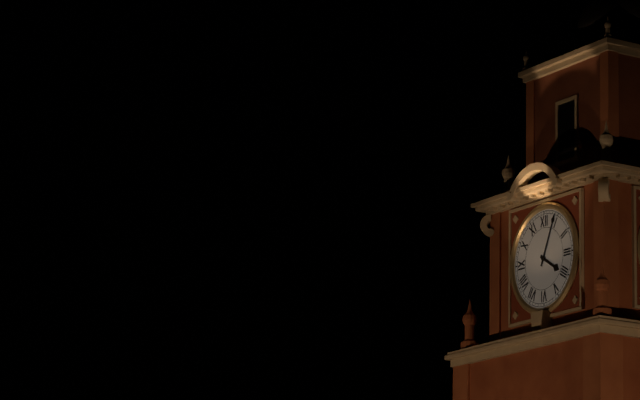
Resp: 4,04
